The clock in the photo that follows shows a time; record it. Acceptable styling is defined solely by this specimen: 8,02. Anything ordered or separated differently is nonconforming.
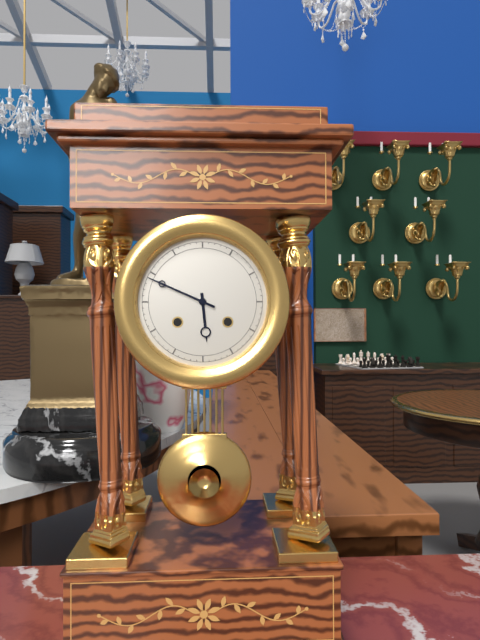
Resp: 5,49
